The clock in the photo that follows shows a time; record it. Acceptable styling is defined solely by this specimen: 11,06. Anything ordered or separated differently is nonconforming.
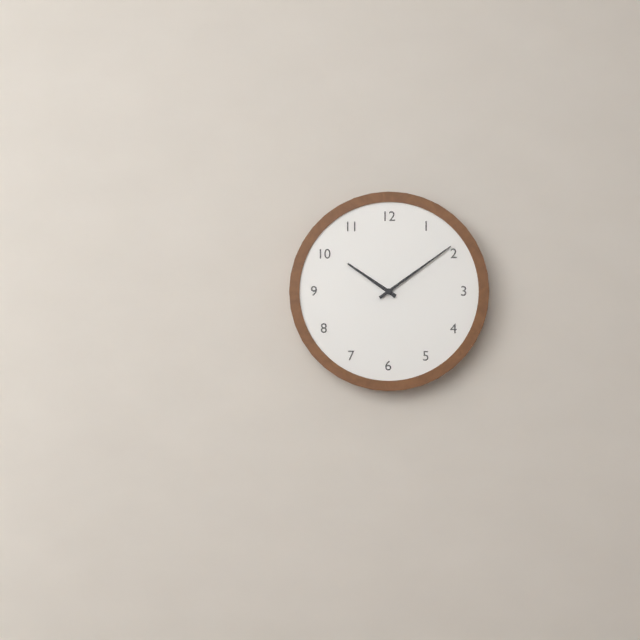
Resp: 10,09
